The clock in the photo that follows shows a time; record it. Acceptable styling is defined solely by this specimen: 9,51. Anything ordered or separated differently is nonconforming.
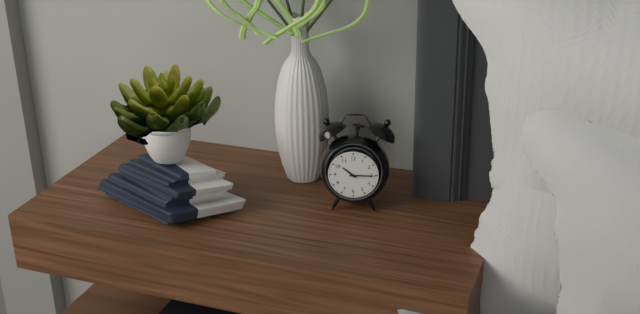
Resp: 10,15
